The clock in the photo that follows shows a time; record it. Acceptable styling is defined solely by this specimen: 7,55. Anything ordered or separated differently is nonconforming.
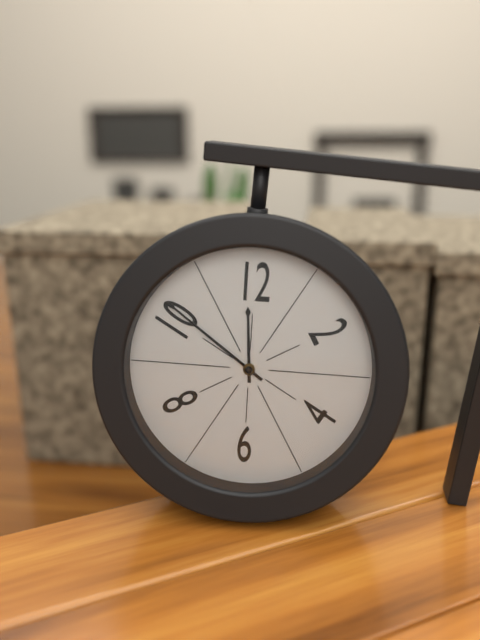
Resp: 11,51
